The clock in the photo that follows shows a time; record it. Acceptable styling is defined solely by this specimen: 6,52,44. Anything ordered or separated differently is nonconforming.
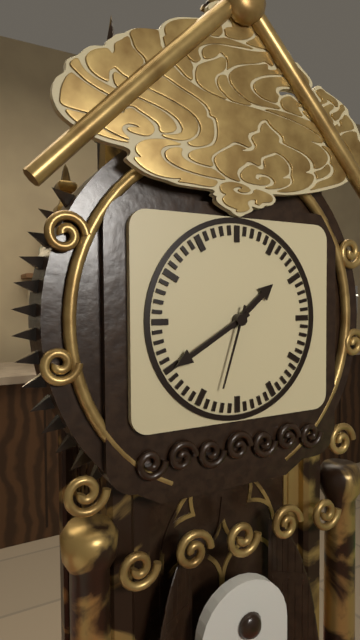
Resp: 1,40,33
